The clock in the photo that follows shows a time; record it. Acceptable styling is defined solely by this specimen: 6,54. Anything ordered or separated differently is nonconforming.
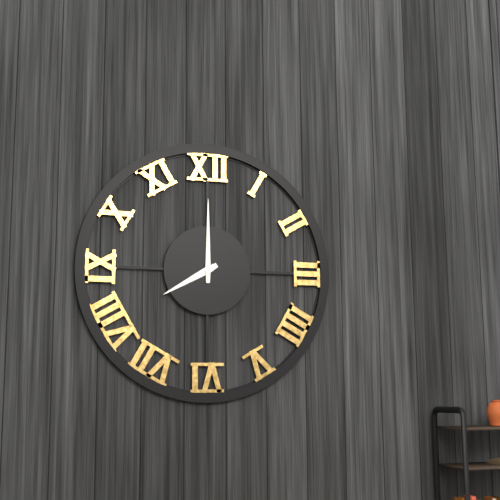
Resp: 8,00
